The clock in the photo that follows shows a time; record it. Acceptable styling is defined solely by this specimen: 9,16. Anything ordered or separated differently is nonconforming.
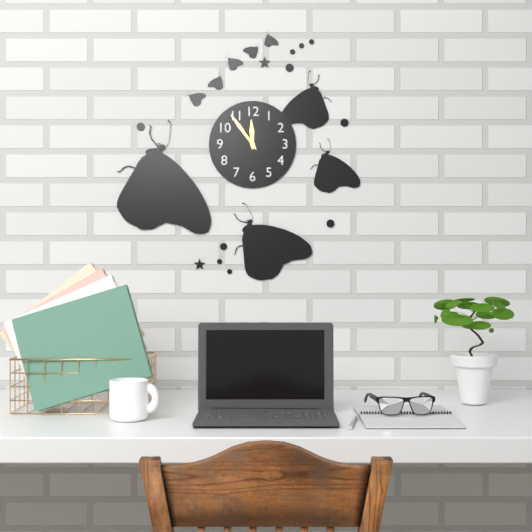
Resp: 11,54
